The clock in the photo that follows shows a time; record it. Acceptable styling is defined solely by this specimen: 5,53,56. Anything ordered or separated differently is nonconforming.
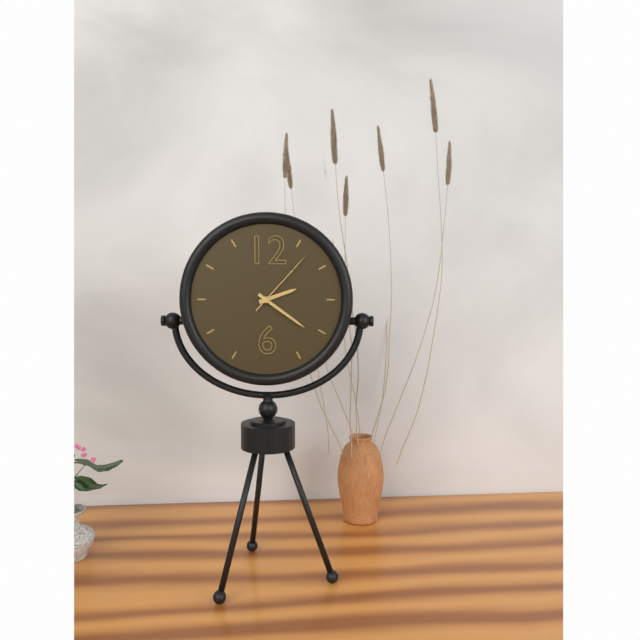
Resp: 2,21,07
